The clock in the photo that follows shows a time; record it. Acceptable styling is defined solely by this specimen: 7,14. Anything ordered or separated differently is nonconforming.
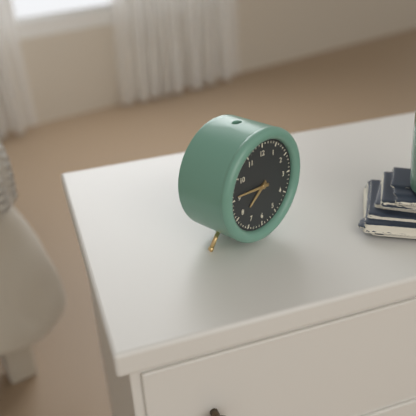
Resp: 7,46
